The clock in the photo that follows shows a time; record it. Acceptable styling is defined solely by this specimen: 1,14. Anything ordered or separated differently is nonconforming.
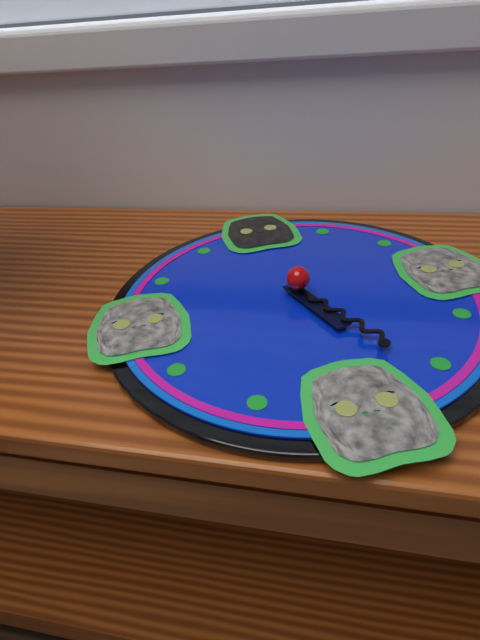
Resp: 5,26
